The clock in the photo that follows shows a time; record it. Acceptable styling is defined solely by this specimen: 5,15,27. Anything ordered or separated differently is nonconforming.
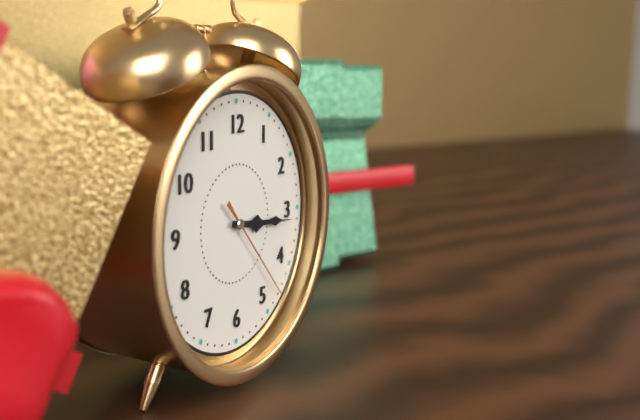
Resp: 3,16,23
